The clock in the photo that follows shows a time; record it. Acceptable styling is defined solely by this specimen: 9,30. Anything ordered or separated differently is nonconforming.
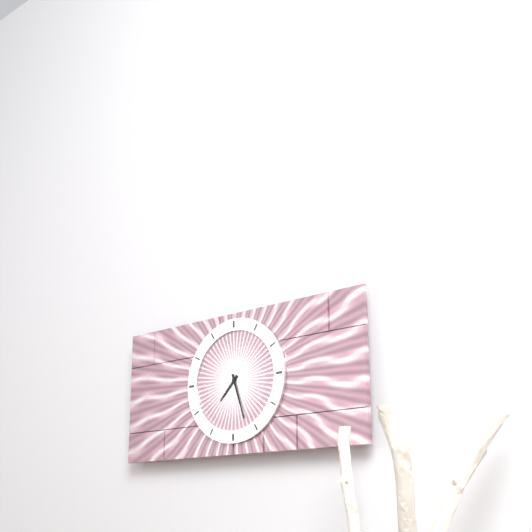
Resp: 7,27
